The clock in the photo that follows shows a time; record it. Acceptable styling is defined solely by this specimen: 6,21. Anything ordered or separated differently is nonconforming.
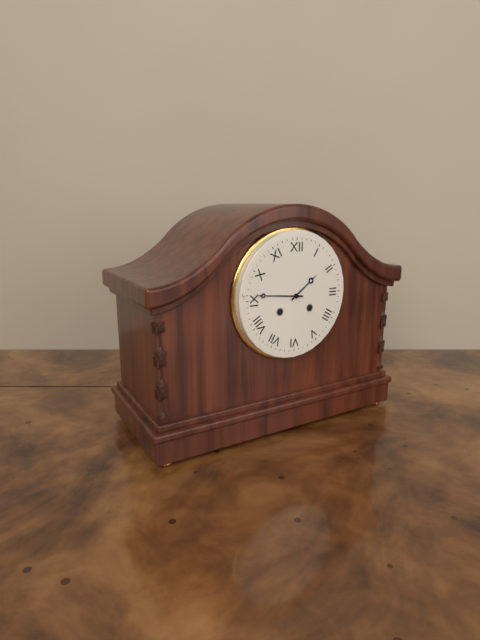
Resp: 1,46
